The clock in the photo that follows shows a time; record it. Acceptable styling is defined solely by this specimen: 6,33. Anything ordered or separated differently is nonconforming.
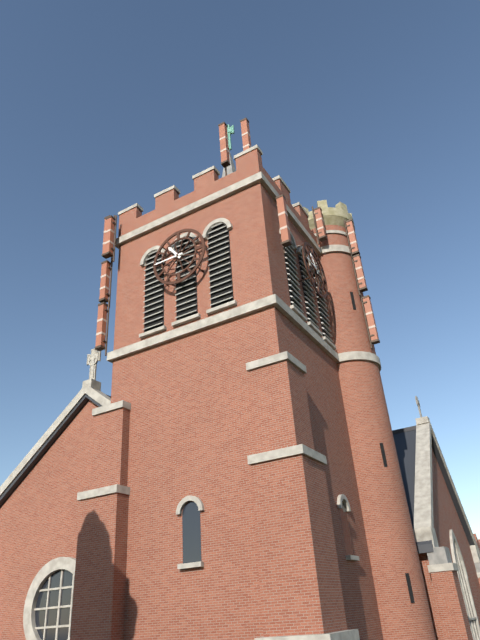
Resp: 10,45
